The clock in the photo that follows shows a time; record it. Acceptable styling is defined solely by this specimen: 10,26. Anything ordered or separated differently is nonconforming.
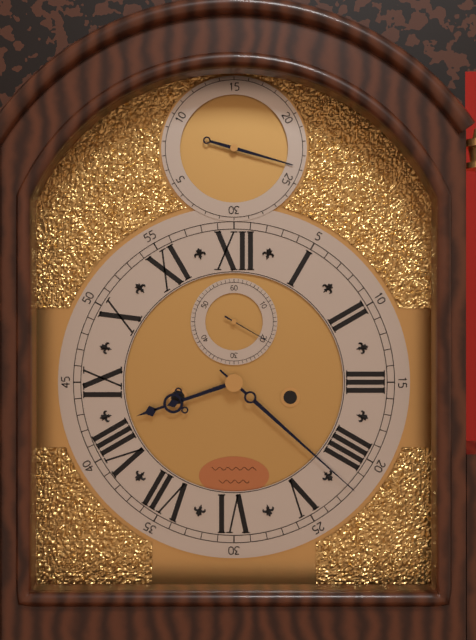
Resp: 8,22
